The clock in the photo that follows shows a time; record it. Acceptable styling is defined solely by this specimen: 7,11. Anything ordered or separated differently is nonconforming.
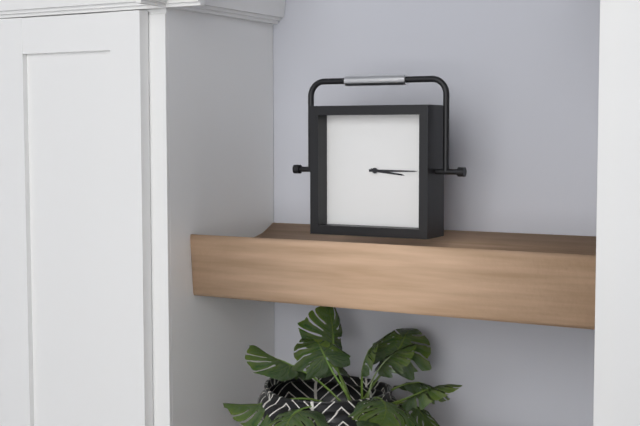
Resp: 3,15
